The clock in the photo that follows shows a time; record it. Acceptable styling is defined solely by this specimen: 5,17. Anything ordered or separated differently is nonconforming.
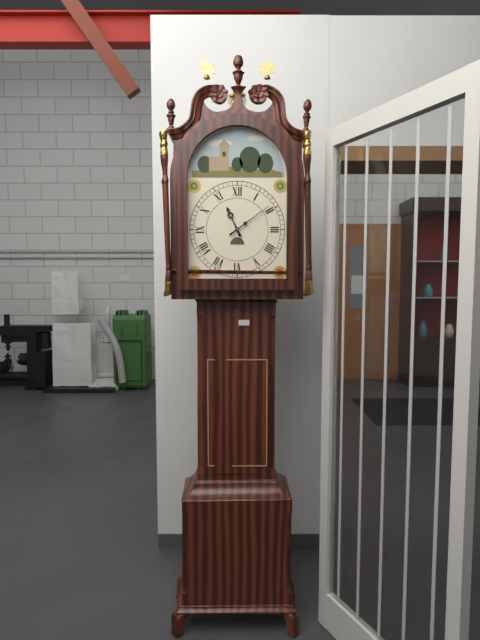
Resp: 11,09
